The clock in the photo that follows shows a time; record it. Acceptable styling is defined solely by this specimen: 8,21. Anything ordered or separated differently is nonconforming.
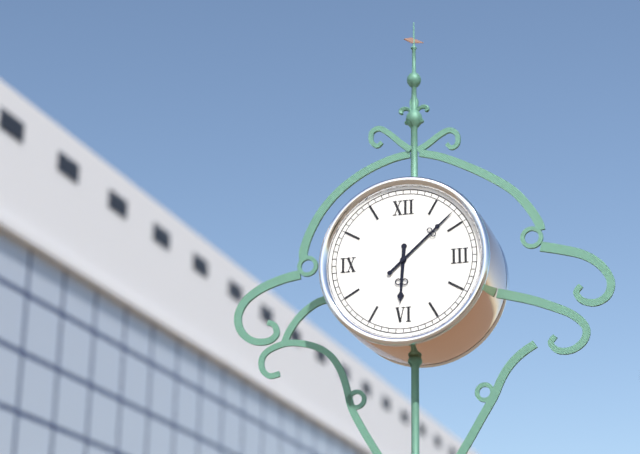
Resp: 6,08
